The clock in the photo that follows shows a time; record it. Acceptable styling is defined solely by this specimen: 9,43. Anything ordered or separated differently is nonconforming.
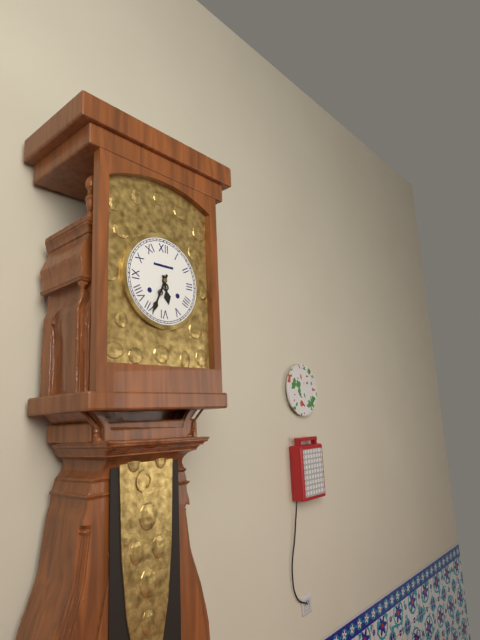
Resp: 5,34
